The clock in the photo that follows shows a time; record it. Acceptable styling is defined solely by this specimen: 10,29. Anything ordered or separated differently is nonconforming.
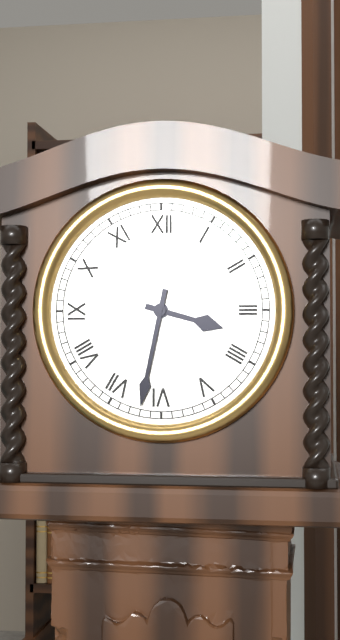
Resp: 3,32
